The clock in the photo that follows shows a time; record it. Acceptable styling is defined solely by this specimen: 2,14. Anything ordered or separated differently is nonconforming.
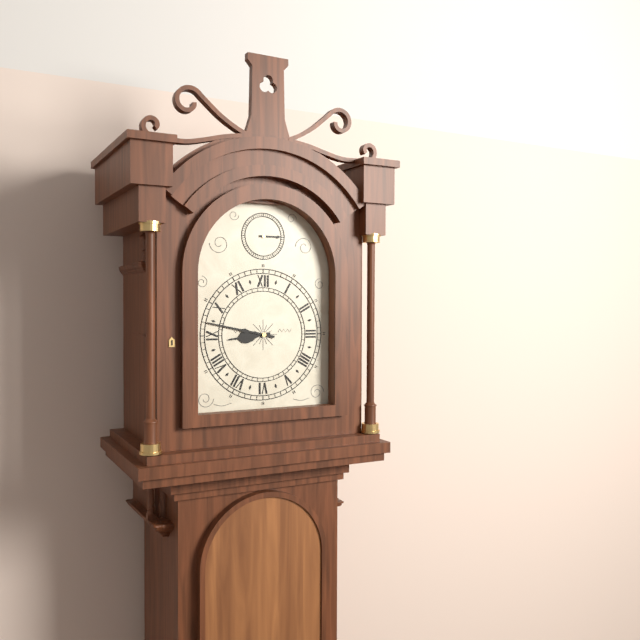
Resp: 8,47
